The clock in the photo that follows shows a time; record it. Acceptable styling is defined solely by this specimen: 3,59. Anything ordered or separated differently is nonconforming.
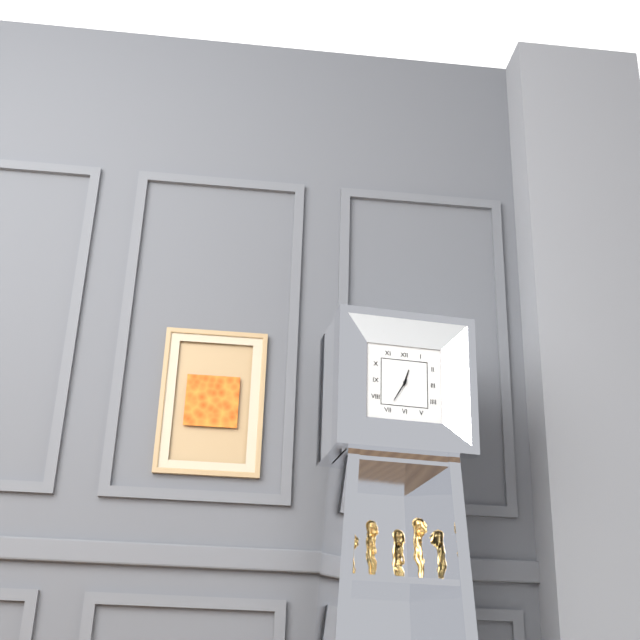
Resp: 12,35
